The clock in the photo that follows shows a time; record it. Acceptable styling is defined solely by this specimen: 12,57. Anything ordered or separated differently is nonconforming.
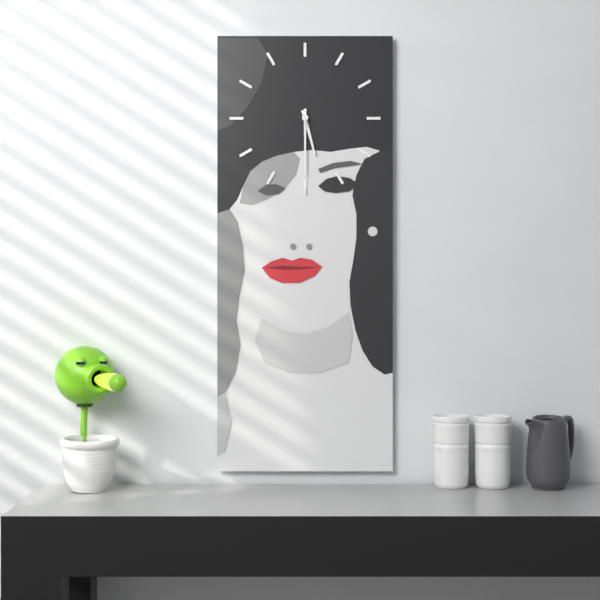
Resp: 5,30
